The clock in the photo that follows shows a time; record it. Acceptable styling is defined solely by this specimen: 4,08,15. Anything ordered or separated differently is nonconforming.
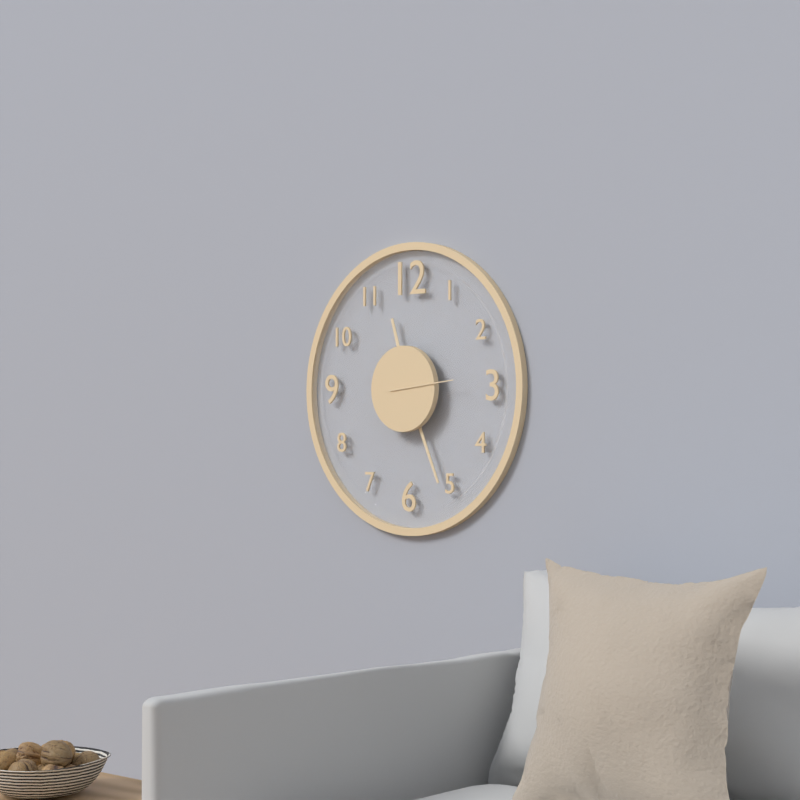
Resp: 11,26,14
